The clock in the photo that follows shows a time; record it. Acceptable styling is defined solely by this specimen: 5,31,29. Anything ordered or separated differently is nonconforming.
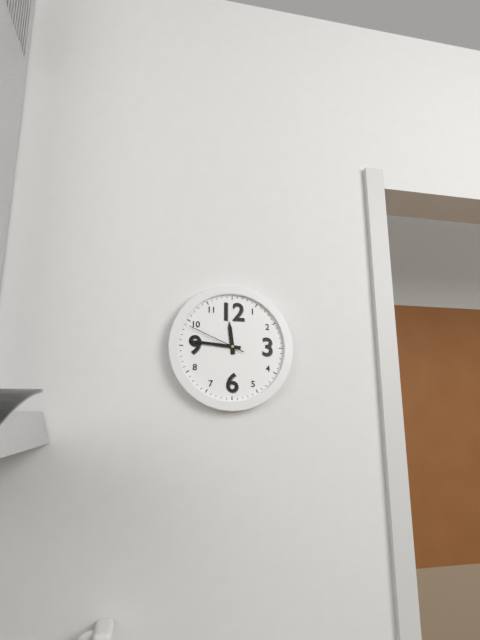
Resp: 11,46,49
